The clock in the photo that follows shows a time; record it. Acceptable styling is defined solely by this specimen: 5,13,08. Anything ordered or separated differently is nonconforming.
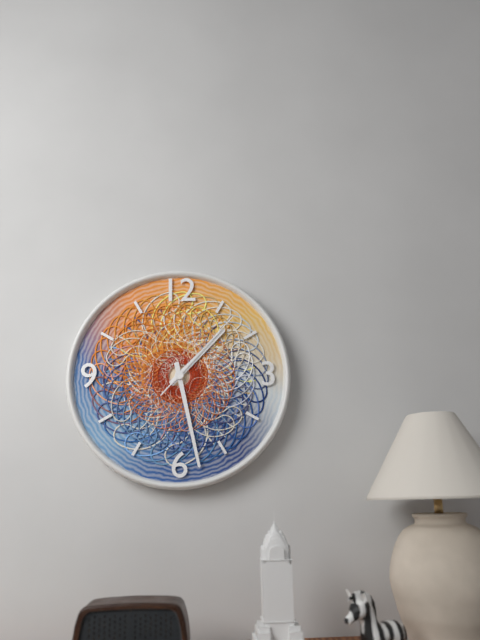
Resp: 1,28,07
